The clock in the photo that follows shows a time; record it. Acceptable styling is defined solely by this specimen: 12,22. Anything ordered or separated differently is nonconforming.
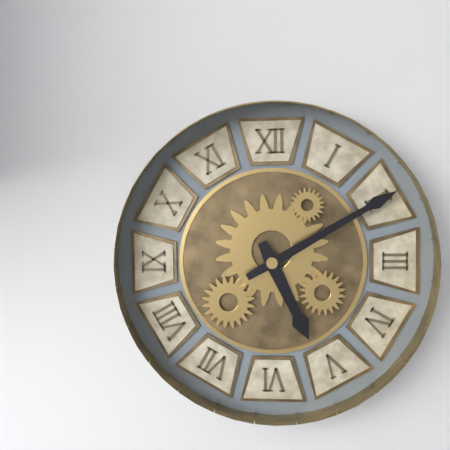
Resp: 5,10
